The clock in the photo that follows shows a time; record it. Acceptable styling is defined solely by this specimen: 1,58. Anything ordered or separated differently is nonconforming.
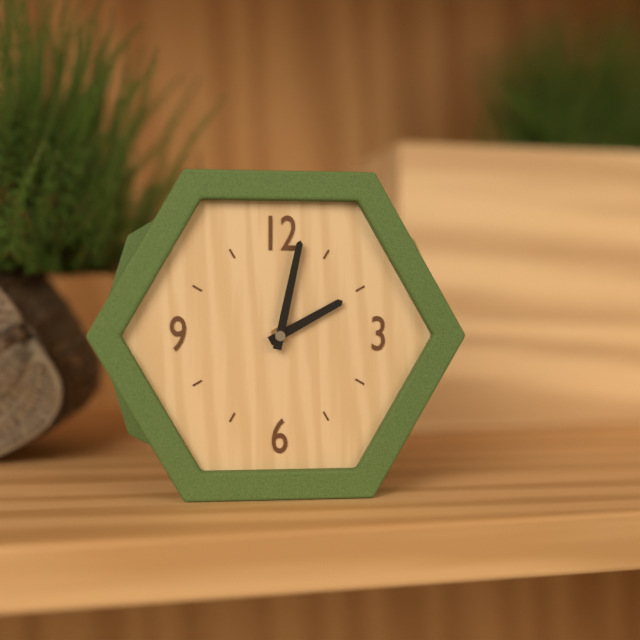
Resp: 2,02
